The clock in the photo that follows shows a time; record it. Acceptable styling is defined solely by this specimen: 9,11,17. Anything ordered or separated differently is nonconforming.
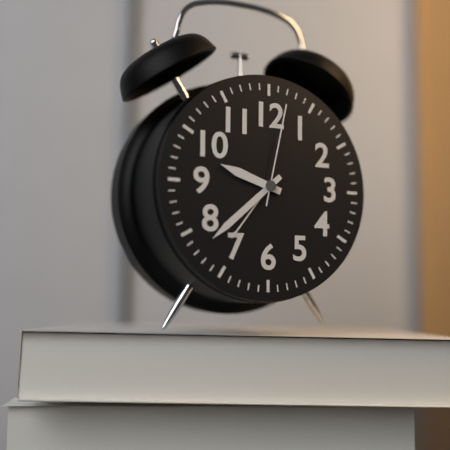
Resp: 9,38,02
